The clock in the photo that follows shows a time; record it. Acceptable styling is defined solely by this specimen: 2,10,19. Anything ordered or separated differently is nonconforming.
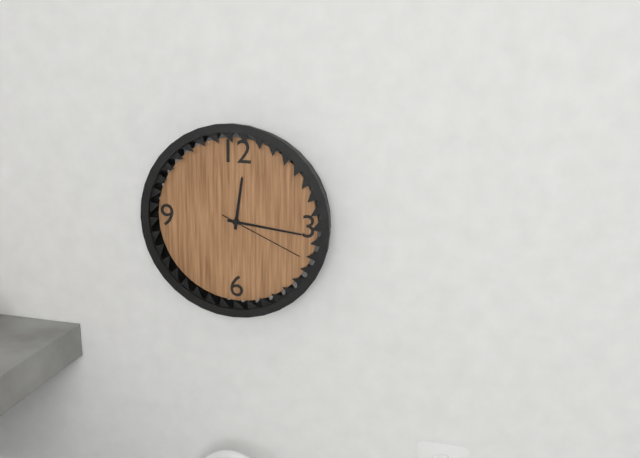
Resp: 12,16,19
